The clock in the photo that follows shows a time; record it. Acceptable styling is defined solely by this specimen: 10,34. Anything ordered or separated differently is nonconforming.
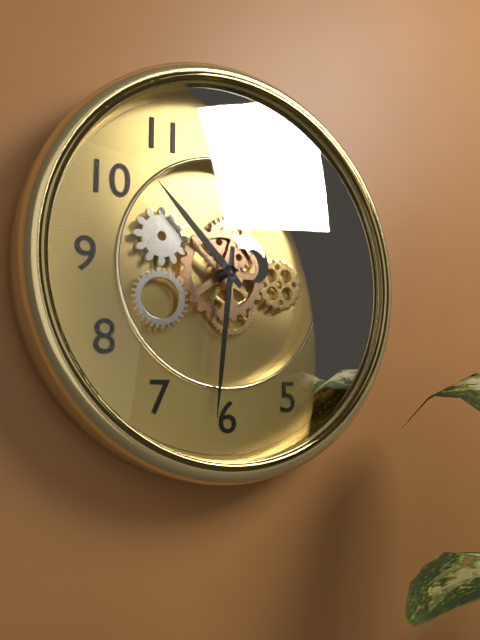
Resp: 10,31
